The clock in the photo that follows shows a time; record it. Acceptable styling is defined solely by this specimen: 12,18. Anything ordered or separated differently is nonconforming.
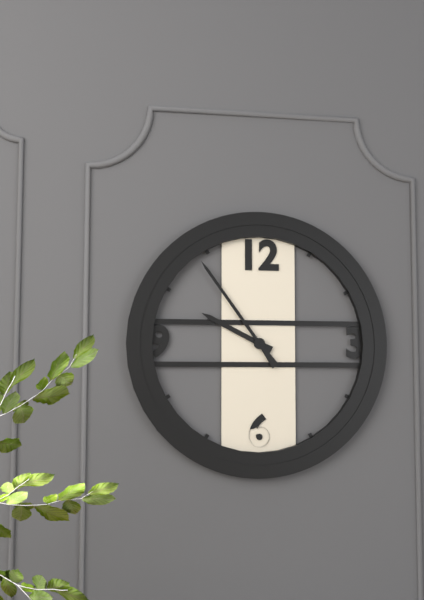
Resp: 9,54
